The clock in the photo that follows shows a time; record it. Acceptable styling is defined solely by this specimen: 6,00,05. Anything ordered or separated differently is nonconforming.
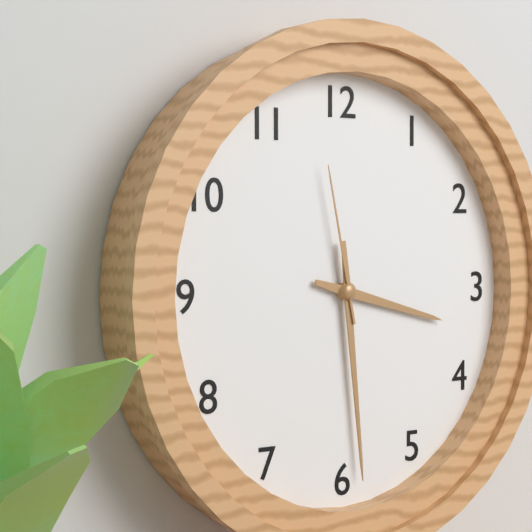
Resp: 3,29,58
